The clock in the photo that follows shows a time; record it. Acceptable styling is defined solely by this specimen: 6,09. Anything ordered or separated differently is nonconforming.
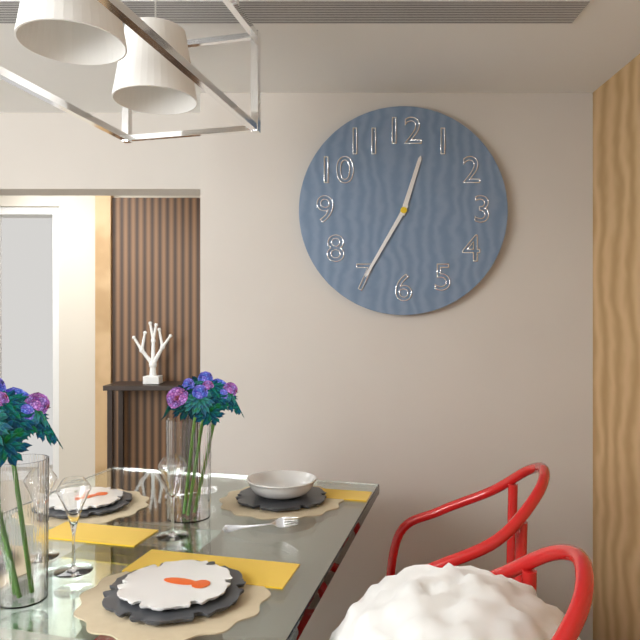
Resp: 12,35
